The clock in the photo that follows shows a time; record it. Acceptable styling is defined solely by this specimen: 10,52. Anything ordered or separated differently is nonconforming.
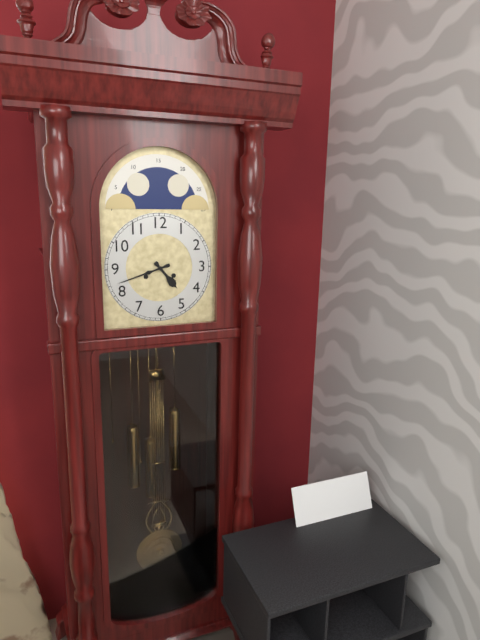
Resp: 4,42
